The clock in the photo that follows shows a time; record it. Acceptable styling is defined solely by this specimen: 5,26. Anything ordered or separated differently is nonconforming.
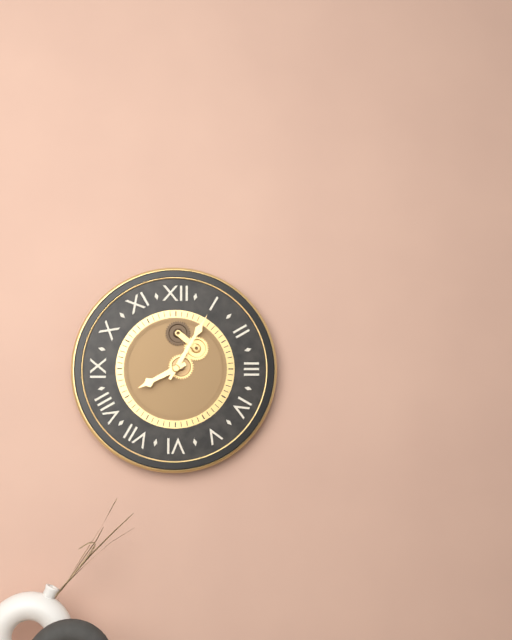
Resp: 8,05
